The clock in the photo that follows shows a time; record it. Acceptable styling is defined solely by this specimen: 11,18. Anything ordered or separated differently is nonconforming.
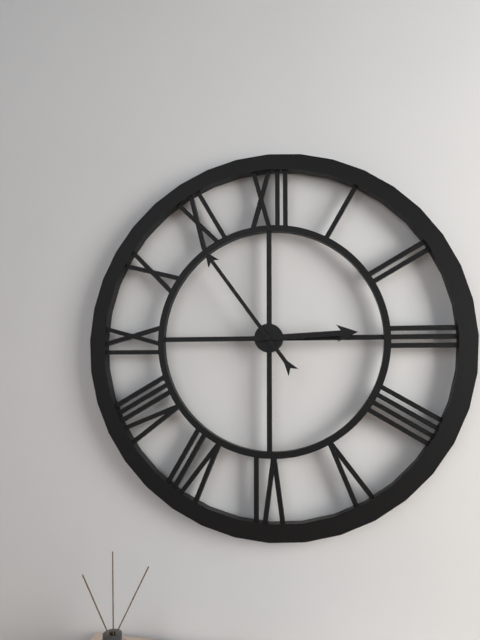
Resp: 2,54
